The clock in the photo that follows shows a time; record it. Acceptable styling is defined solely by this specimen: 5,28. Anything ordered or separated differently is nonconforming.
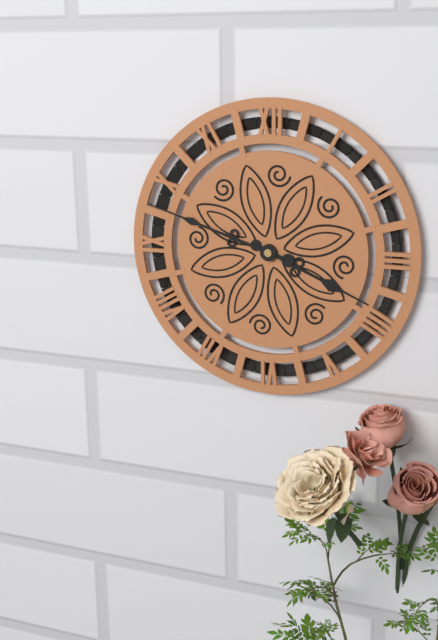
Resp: 3,48
